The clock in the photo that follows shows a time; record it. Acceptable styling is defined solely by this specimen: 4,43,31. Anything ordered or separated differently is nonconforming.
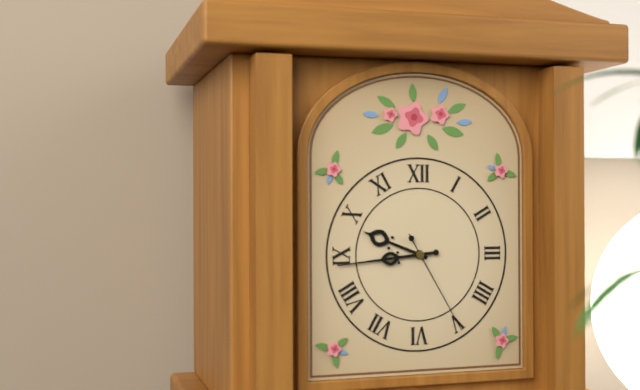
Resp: 9,44,25
